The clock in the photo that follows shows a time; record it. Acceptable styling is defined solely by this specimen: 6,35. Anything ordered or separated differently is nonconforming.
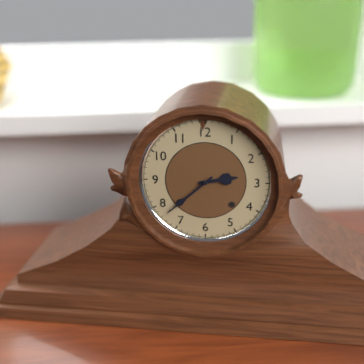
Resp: 2,38
